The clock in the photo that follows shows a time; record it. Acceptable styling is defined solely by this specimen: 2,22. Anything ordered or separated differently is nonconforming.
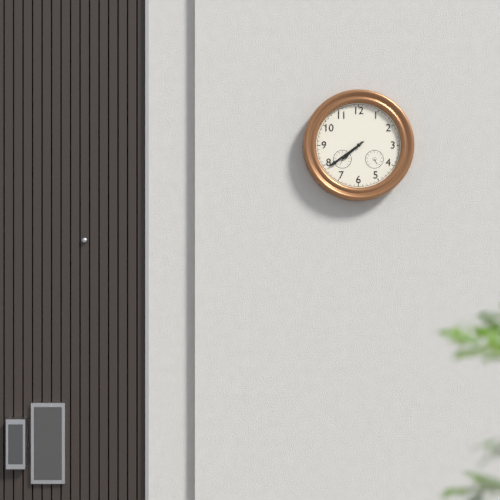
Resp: 7,39
